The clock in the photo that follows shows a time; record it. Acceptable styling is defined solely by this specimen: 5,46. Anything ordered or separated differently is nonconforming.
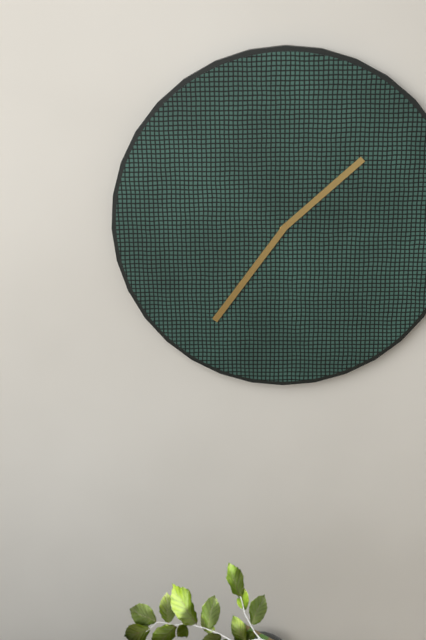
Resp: 1,36
